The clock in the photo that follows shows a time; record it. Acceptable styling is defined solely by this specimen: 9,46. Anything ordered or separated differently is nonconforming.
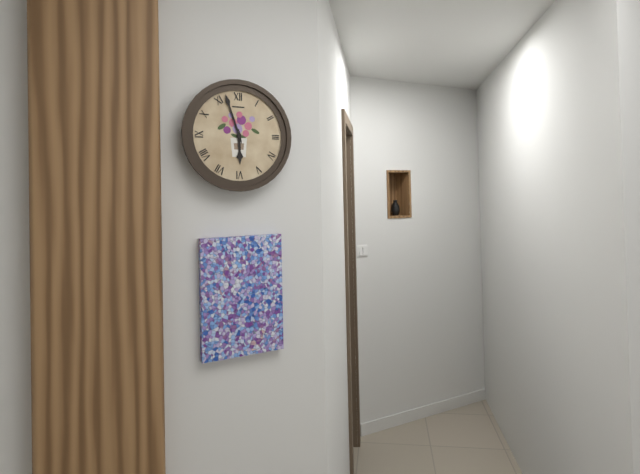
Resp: 5,57
